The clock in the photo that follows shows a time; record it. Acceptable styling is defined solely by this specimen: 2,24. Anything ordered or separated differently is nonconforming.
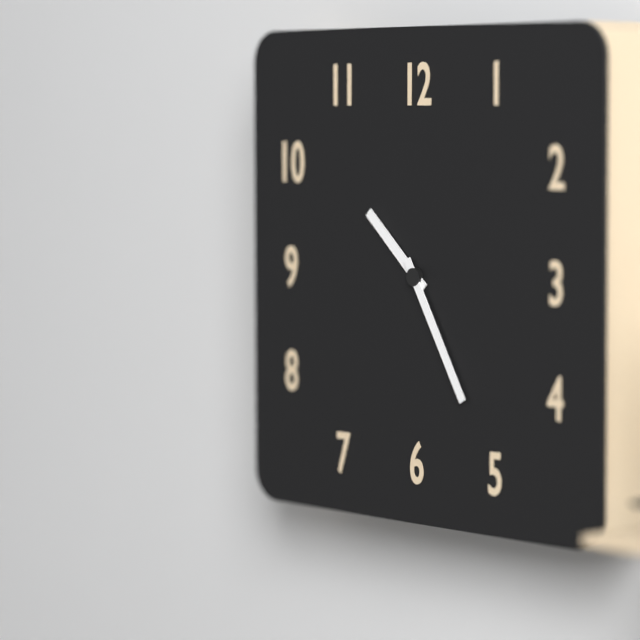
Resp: 10,25
